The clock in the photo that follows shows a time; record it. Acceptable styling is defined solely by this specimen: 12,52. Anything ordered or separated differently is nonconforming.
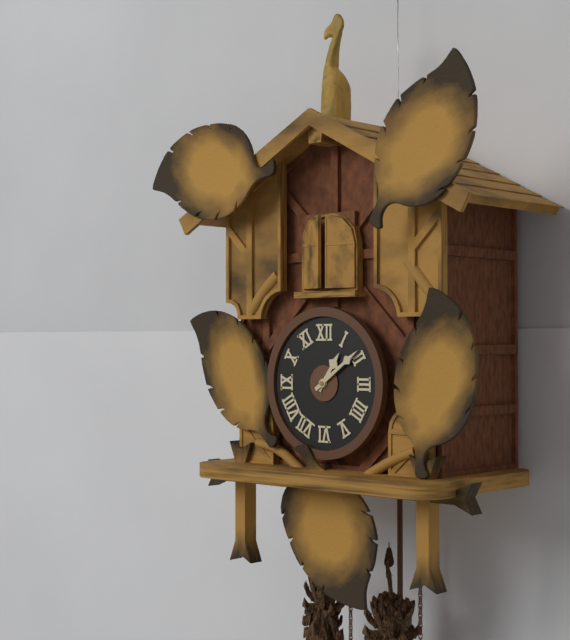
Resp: 1,09
